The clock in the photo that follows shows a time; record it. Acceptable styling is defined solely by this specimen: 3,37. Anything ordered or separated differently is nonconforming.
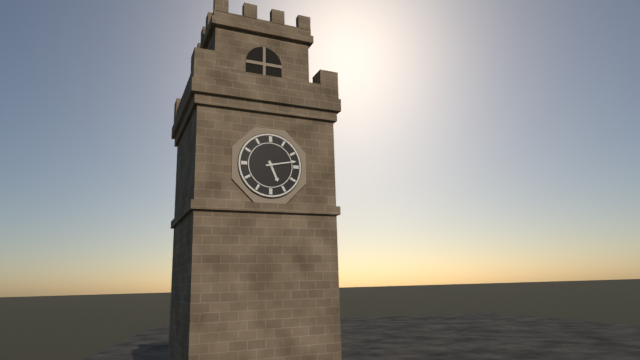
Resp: 5,13
